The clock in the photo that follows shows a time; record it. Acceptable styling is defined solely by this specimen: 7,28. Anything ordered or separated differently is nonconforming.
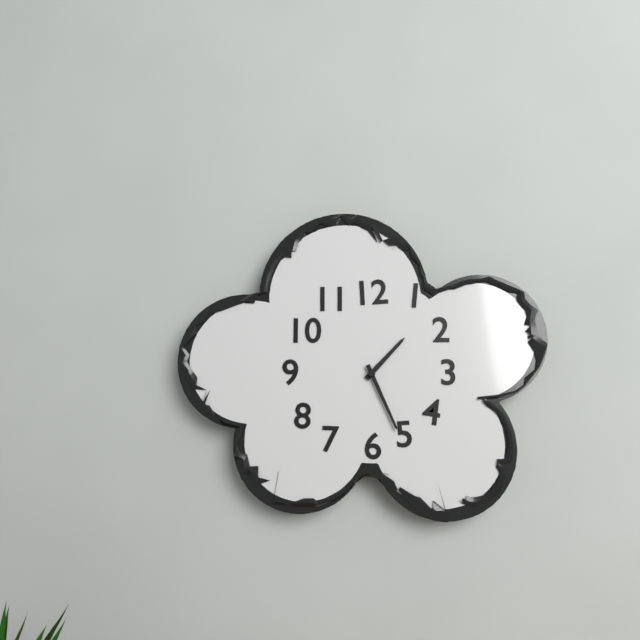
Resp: 1,26
